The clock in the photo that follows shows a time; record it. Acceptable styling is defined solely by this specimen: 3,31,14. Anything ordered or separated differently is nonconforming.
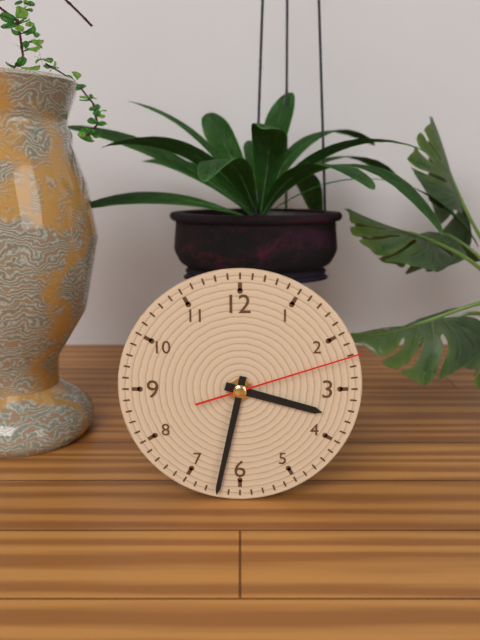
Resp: 3,32,12
